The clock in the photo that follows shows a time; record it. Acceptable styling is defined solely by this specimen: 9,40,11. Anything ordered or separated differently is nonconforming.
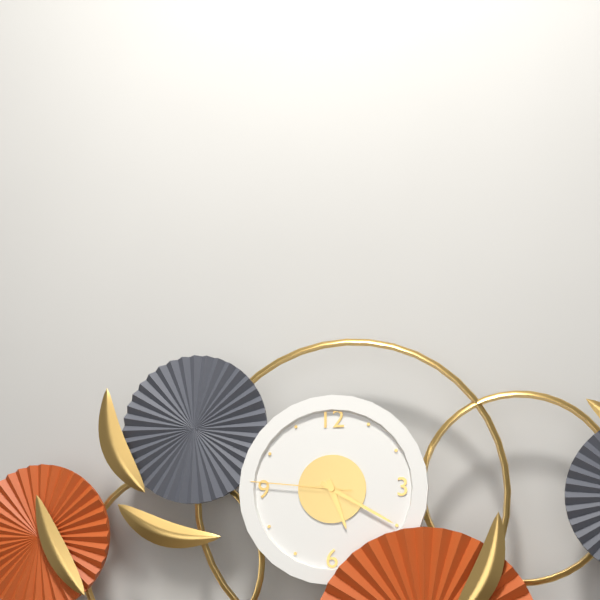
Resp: 5,20,46
